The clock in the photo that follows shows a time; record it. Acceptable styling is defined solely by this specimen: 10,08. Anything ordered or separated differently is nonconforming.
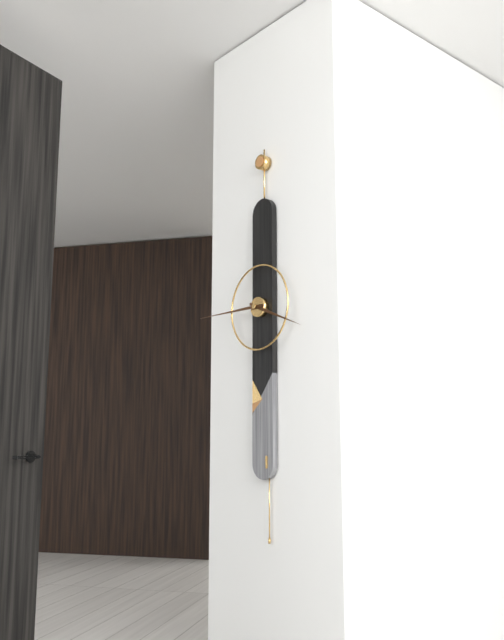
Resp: 3,45
